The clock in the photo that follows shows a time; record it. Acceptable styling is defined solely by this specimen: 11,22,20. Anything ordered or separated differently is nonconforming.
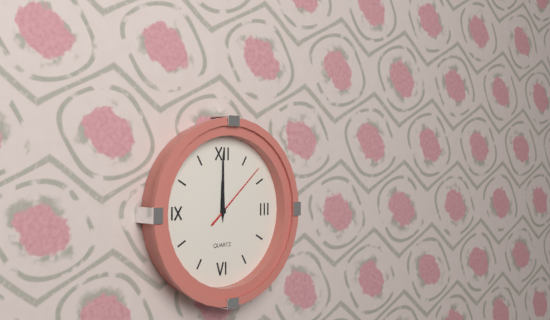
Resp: 12,00,08
